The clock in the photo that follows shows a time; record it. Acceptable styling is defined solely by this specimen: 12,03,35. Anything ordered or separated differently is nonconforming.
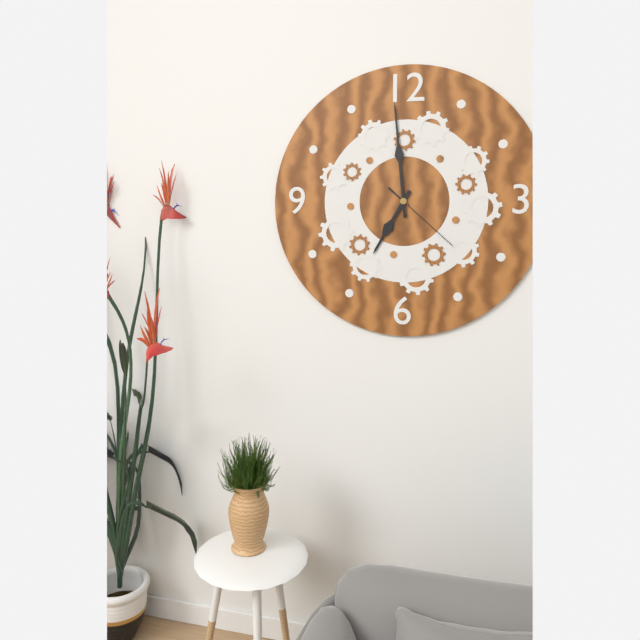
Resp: 6,59,22
